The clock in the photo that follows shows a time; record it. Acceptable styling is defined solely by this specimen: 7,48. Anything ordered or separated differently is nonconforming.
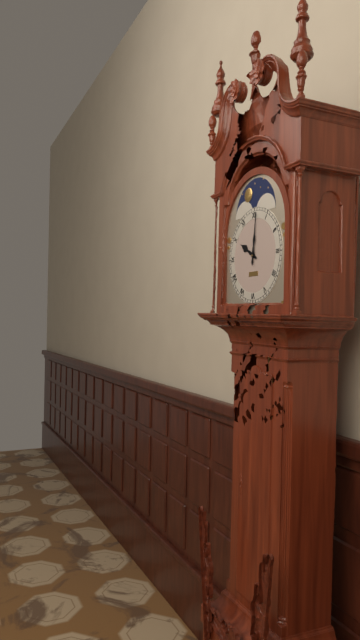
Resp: 10,01
